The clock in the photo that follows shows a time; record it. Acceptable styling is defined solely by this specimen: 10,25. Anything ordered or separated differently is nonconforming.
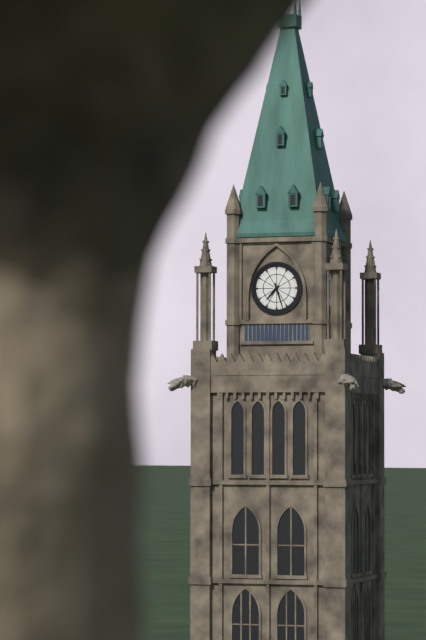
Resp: 7,27
